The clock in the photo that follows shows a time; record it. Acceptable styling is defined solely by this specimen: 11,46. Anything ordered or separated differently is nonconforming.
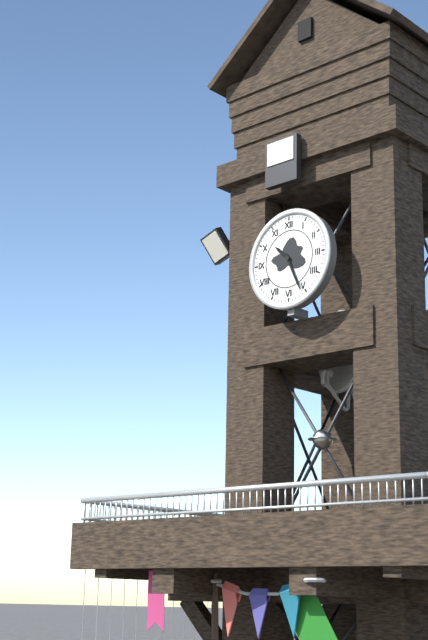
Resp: 10,26
